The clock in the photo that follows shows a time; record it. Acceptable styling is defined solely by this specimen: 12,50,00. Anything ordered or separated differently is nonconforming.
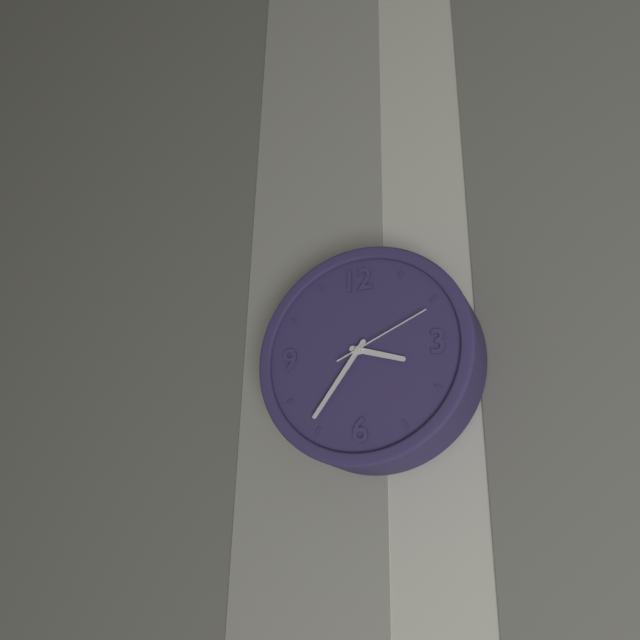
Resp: 3,36,11
